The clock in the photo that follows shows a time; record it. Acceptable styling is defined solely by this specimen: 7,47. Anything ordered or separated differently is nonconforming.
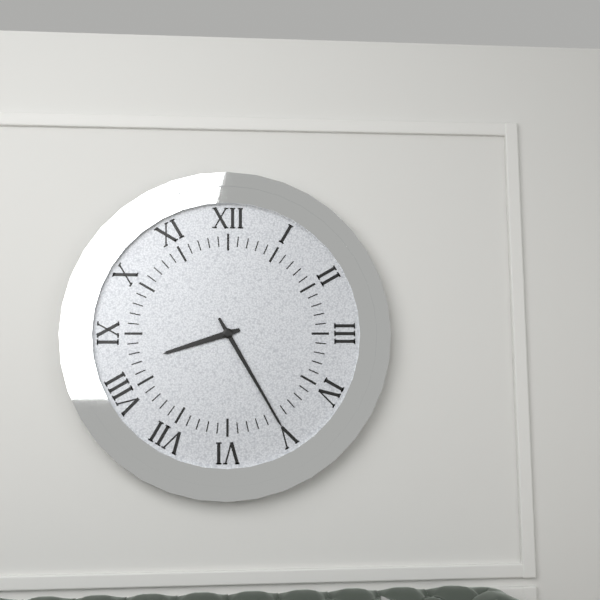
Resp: 8,25
